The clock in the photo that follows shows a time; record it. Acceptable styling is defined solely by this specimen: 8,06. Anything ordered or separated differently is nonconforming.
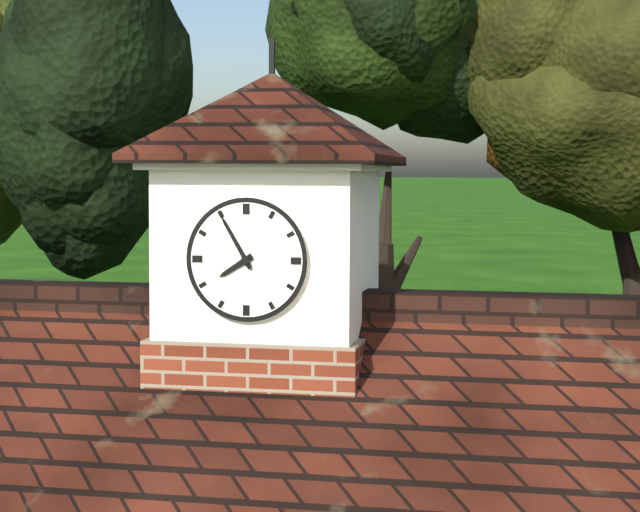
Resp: 7,55
